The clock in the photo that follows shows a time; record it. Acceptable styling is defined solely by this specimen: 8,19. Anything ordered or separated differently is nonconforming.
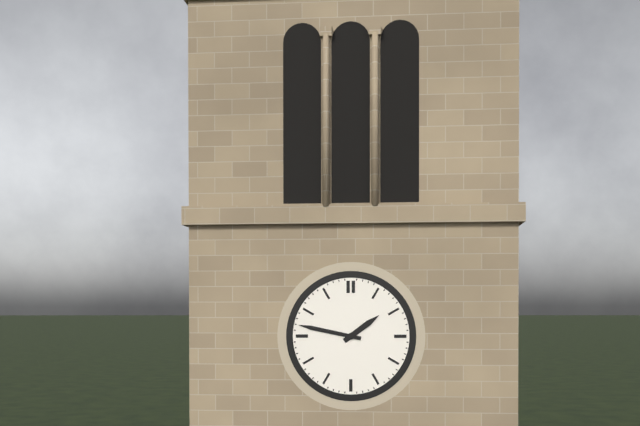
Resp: 1,47
